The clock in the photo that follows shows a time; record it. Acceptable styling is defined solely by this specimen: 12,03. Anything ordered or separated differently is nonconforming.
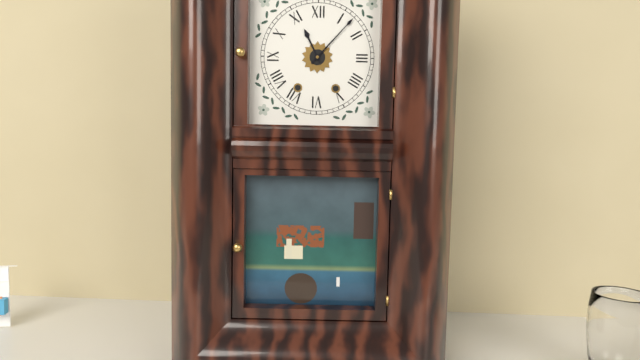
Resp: 11,07
